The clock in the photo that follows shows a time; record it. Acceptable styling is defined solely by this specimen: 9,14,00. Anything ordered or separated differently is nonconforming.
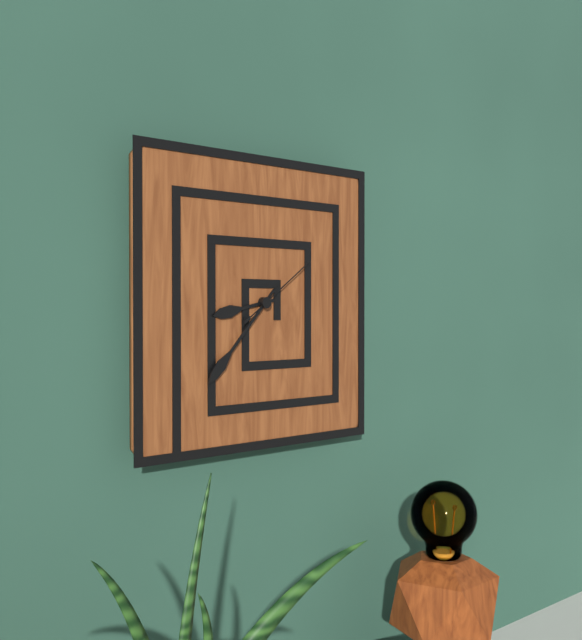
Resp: 8,37,09
